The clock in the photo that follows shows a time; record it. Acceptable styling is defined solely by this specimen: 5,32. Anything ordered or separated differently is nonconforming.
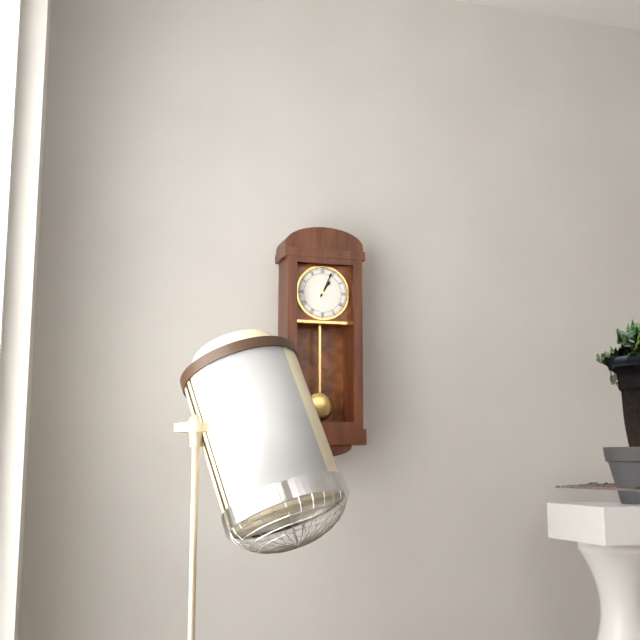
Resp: 1,04
